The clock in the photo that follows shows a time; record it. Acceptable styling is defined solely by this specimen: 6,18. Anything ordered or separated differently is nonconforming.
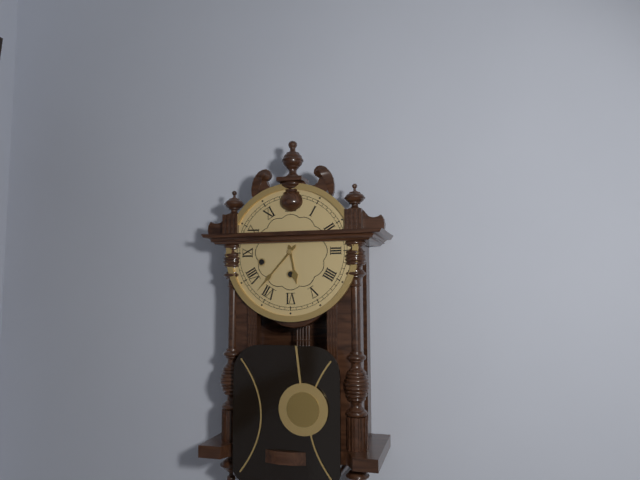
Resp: 5,37
